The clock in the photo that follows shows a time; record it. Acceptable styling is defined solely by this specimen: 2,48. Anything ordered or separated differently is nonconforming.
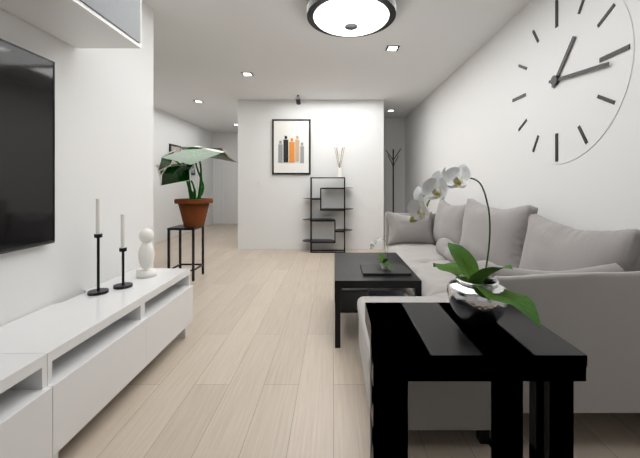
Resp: 1,16
